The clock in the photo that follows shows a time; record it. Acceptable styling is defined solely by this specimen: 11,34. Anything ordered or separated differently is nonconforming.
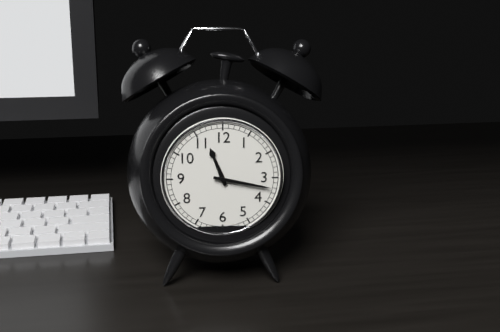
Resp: 11,17
